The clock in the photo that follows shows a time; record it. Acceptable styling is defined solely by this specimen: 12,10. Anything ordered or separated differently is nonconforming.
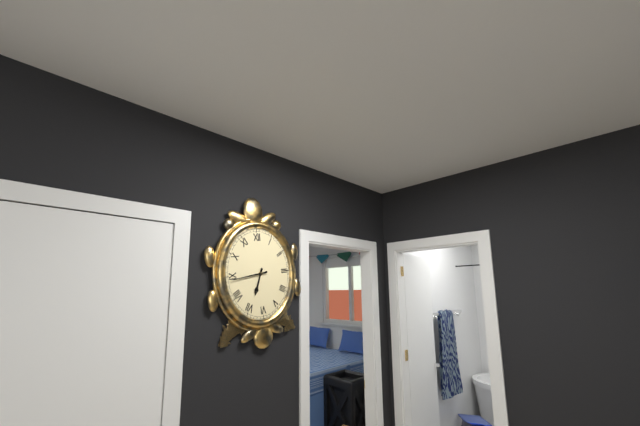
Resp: 6,44
